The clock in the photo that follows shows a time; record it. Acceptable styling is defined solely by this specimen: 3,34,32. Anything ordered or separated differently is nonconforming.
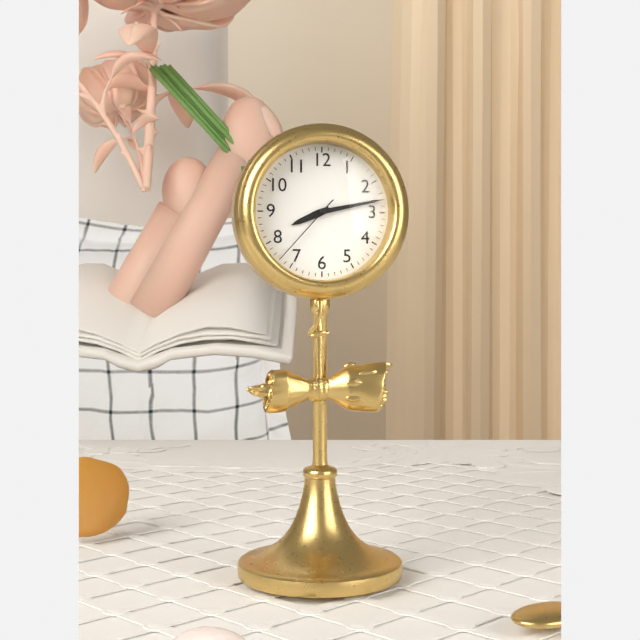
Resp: 8,13,37
